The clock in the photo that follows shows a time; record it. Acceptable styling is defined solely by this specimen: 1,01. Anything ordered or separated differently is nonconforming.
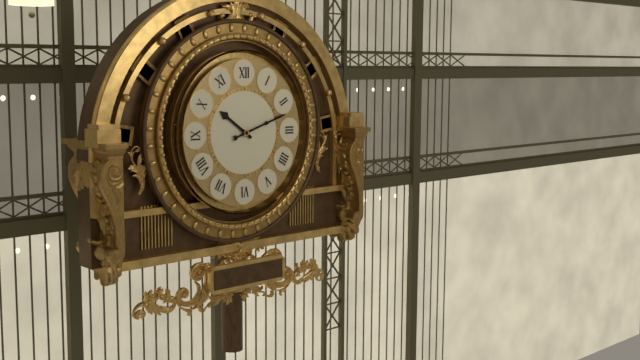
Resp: 10,12
